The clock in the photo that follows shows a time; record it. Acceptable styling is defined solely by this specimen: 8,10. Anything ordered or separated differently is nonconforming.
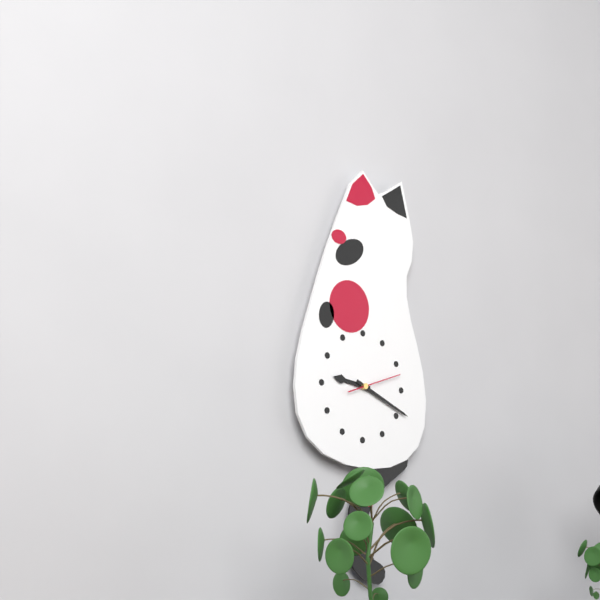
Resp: 9,19
